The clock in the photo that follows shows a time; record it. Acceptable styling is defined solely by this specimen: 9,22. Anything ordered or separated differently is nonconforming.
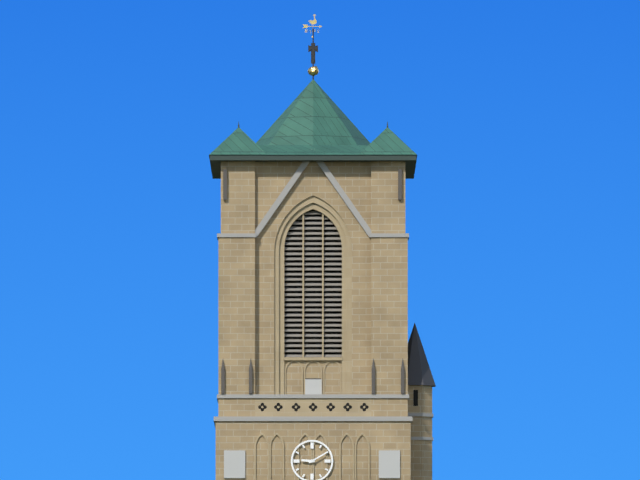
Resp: 9,10
